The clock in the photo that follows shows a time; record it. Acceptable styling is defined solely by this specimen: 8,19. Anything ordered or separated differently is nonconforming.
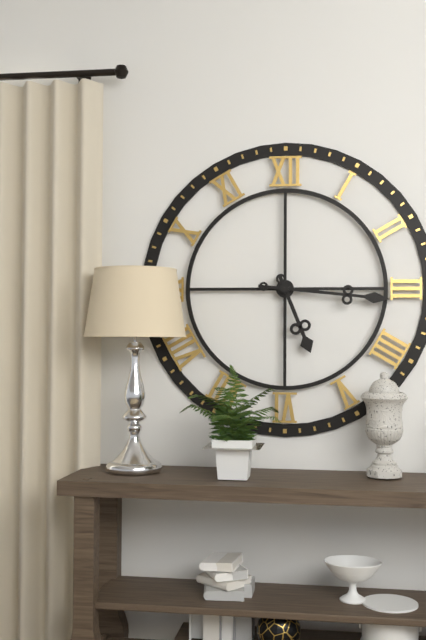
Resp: 5,16
